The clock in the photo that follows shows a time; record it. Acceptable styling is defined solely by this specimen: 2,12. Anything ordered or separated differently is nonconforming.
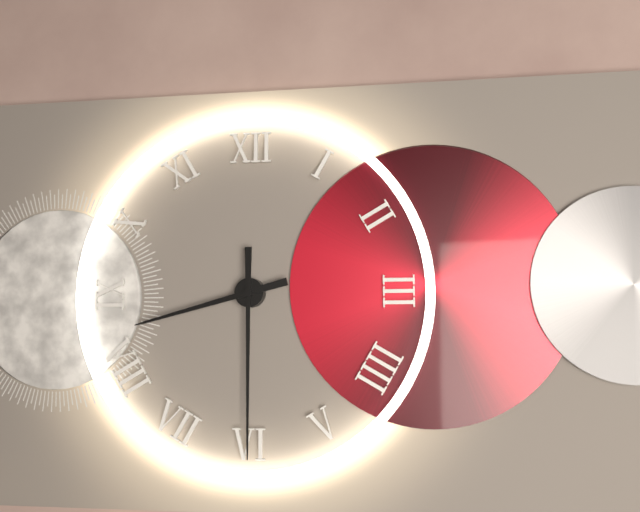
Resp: 8,30
